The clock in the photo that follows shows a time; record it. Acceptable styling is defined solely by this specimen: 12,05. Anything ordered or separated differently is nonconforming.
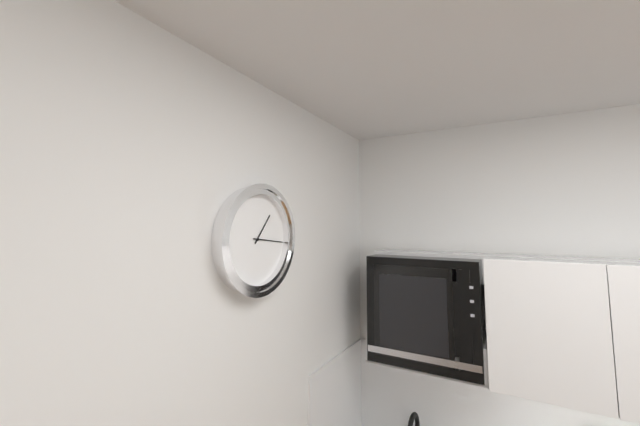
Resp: 1,16
